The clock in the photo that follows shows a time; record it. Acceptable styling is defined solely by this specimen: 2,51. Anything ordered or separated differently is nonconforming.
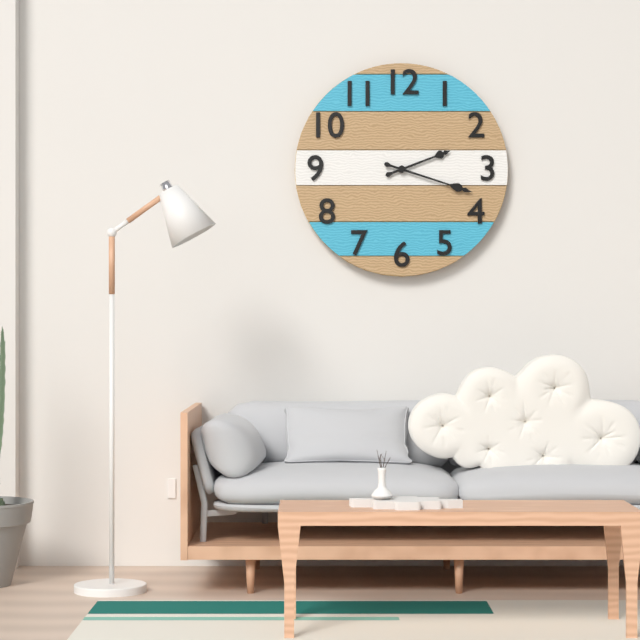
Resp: 2,18
